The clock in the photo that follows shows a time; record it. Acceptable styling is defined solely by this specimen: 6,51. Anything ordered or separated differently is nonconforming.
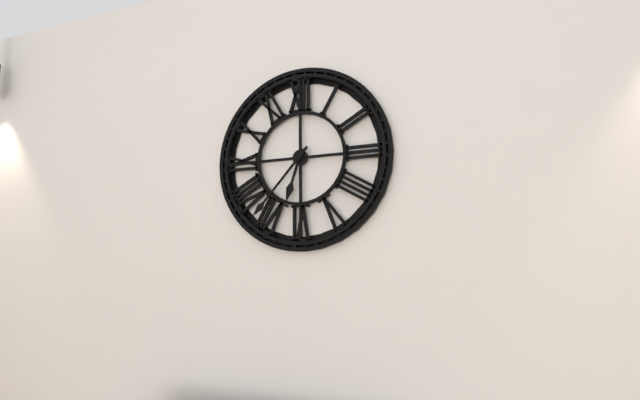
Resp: 6,37
